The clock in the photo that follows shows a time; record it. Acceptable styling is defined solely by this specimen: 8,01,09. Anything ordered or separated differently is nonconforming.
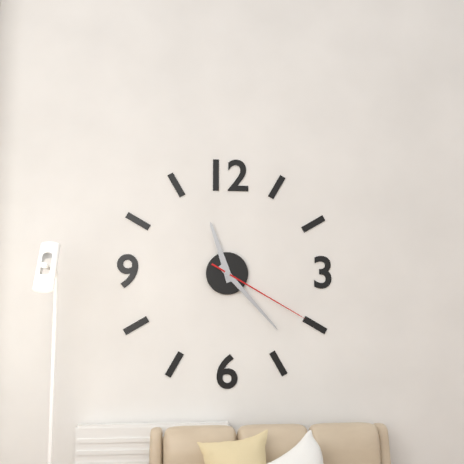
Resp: 11,23,20
